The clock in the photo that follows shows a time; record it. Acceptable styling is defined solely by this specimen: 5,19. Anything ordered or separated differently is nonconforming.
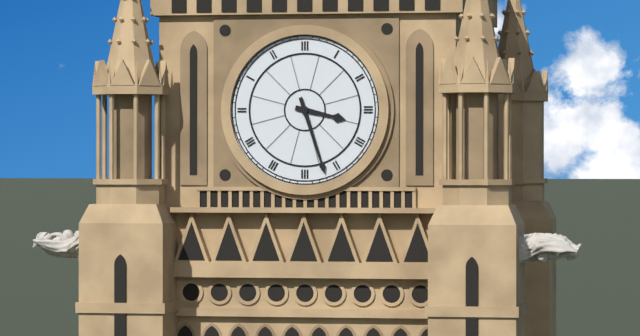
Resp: 3,27
